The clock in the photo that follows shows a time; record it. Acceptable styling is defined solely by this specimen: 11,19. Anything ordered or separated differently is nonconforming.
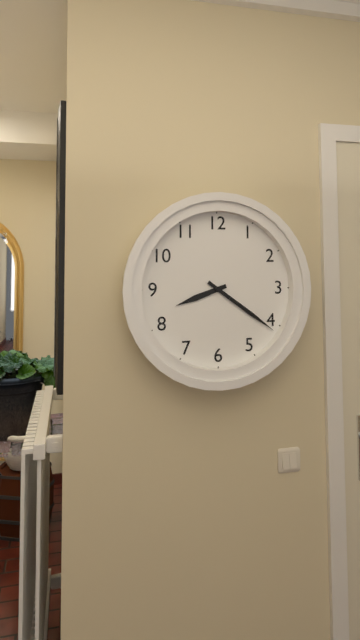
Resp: 8,21
